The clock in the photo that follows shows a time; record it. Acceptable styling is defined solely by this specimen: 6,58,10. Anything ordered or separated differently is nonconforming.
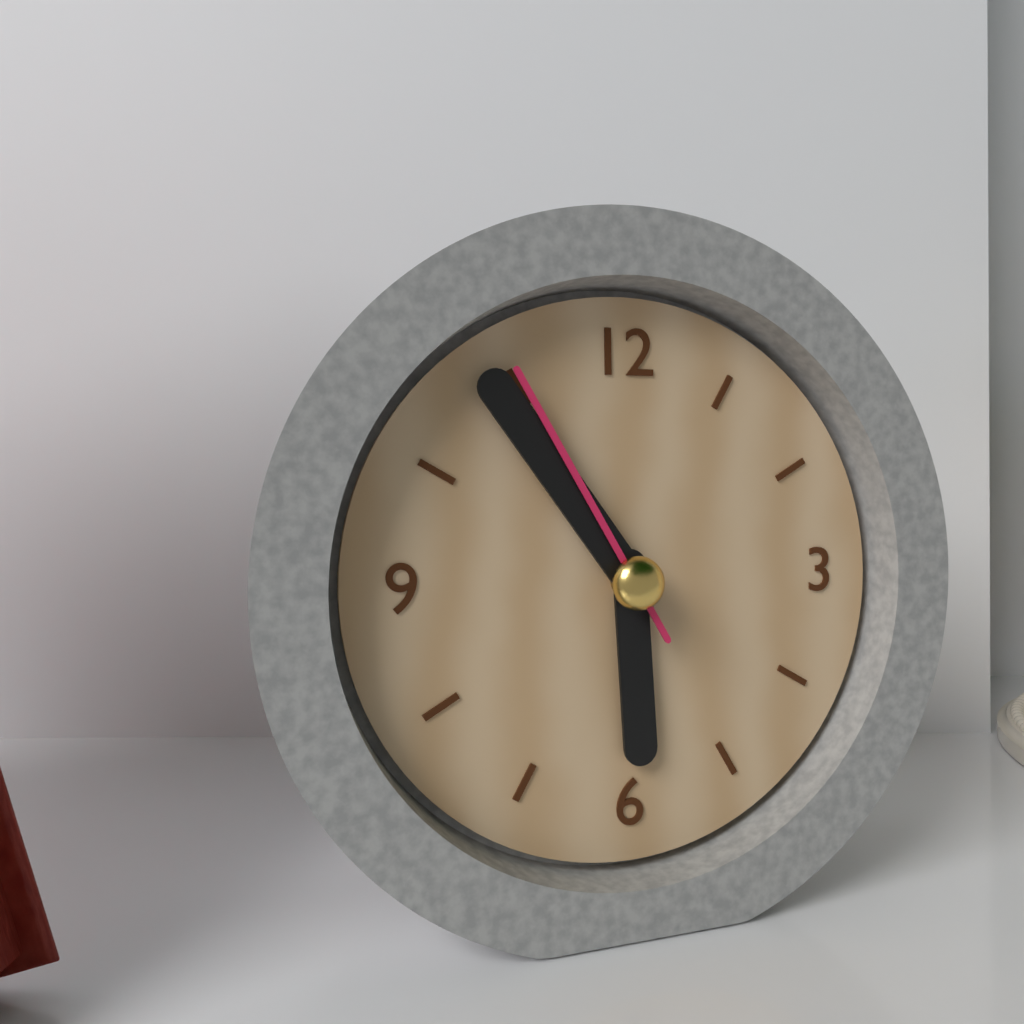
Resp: 5,54,55
